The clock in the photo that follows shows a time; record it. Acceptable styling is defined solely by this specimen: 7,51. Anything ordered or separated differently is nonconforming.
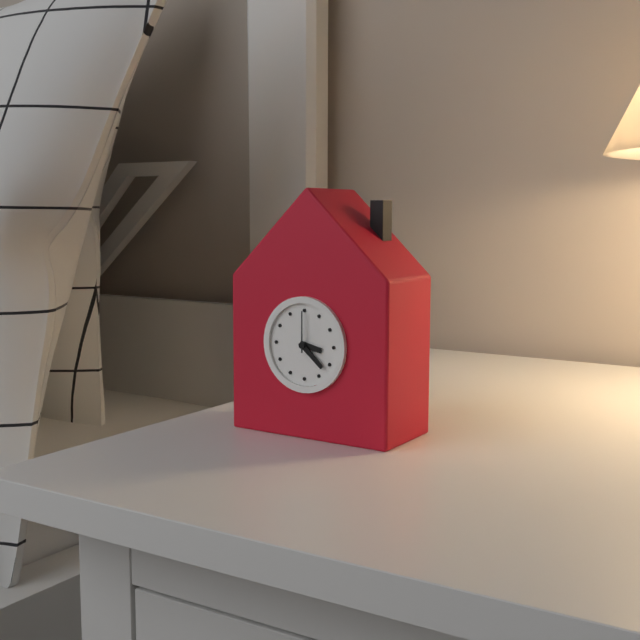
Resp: 3,22
